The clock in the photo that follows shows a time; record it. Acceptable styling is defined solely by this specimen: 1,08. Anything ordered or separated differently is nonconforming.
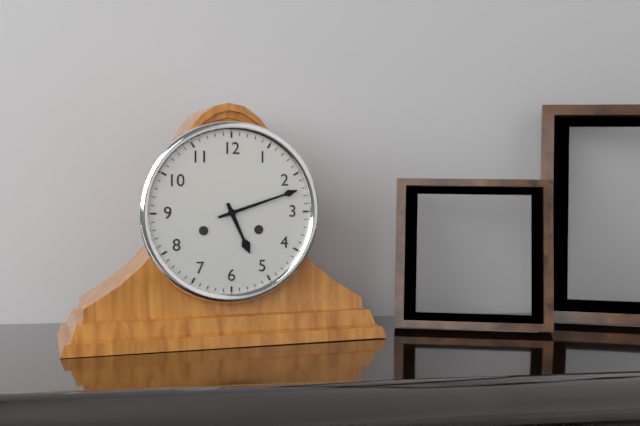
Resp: 5,12
